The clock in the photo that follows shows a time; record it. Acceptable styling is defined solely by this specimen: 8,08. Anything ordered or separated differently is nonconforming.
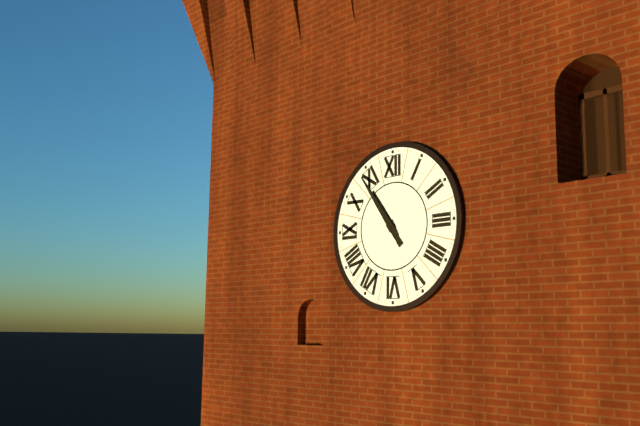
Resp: 10,54
